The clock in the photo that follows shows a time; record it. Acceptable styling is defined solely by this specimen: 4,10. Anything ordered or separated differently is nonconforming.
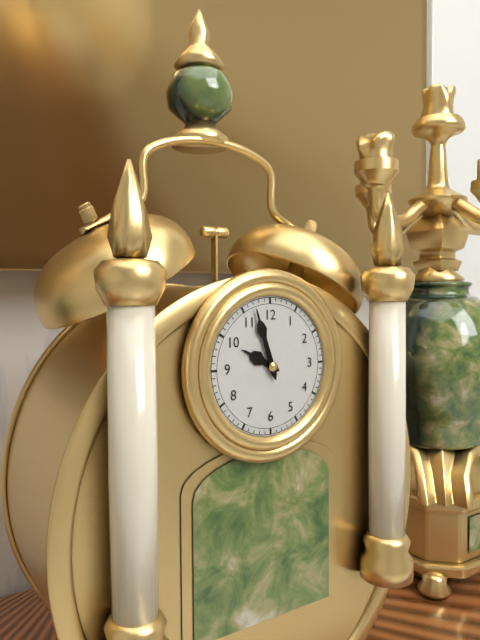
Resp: 9,57
